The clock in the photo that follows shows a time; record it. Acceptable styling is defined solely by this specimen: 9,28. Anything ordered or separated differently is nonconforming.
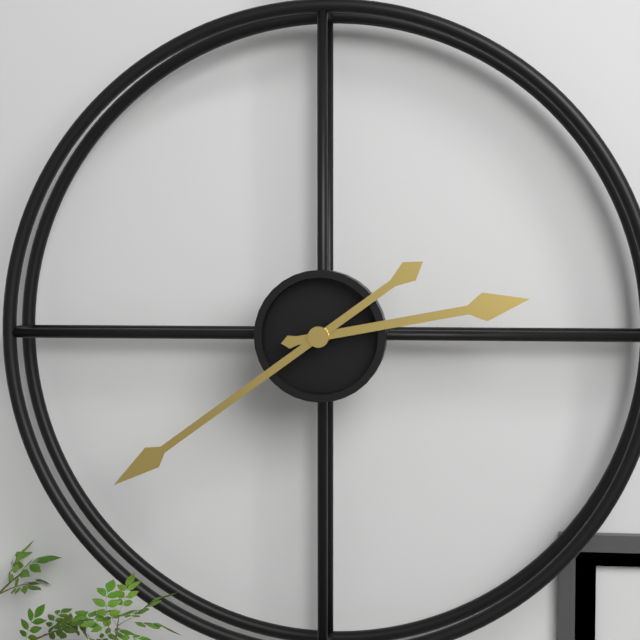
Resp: 2,39
